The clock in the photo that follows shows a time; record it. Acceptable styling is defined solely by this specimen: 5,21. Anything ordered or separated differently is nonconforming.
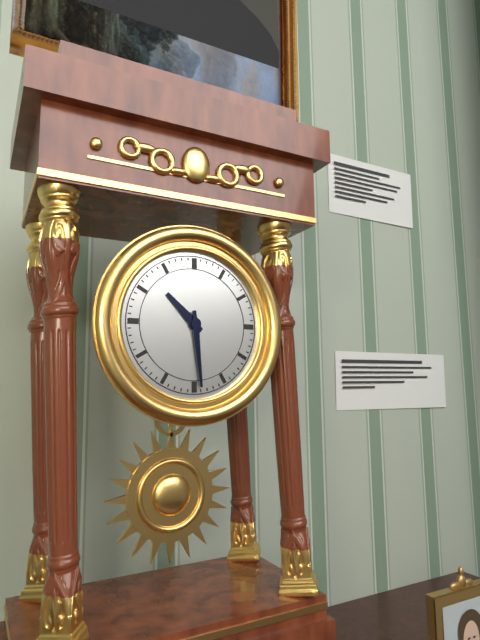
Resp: 10,29
